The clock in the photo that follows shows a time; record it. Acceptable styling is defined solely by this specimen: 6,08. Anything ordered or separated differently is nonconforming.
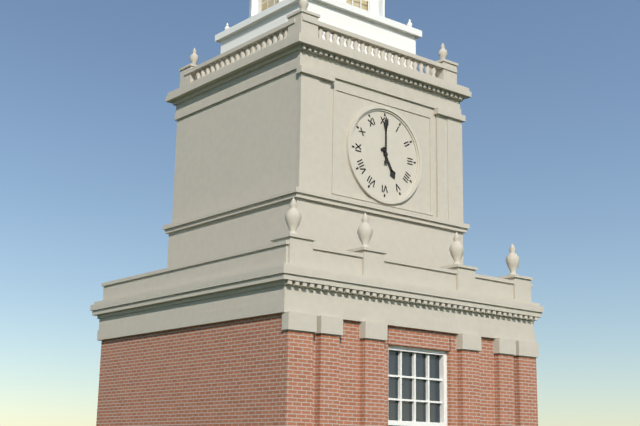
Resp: 5,00
